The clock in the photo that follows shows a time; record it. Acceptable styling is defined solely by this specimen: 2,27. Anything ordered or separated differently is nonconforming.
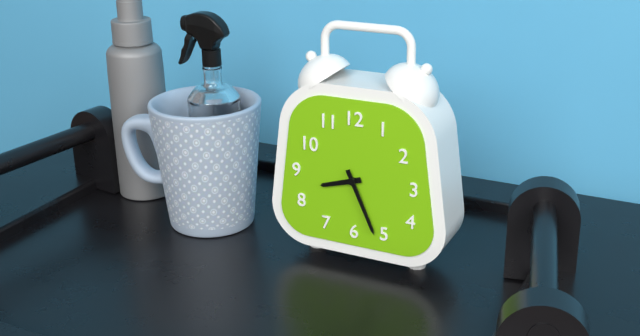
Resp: 8,26
